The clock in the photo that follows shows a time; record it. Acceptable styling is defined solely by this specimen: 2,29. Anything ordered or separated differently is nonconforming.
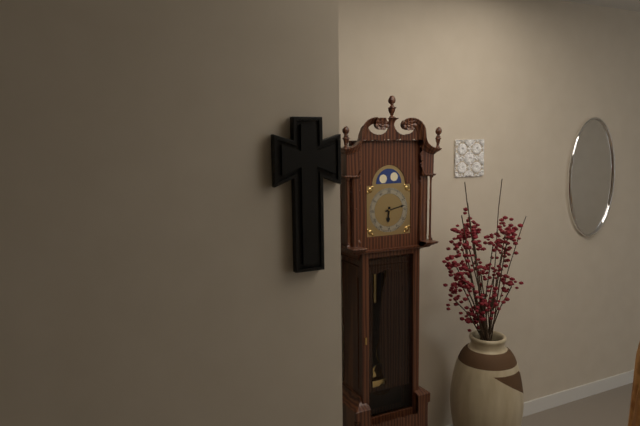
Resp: 6,13
